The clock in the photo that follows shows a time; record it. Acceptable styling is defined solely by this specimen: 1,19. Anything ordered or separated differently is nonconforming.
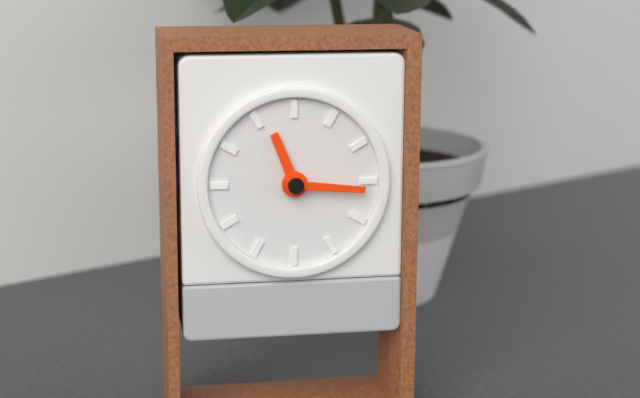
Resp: 11,16
